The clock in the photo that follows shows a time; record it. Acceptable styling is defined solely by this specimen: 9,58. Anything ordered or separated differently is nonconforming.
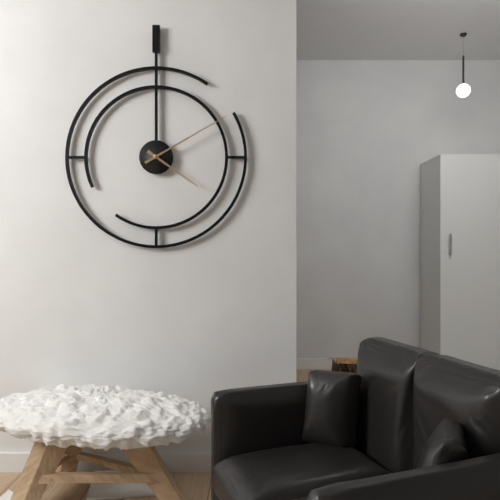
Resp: 4,10
